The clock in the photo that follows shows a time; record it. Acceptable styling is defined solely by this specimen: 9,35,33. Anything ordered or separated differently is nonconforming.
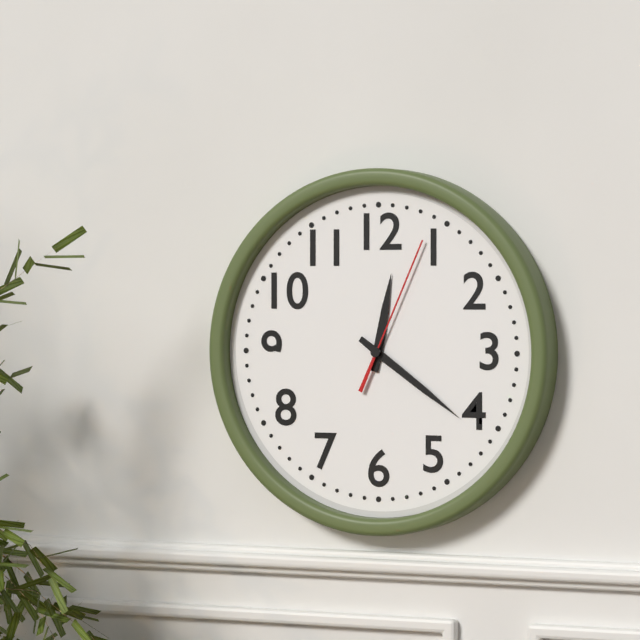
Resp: 12,21,04
